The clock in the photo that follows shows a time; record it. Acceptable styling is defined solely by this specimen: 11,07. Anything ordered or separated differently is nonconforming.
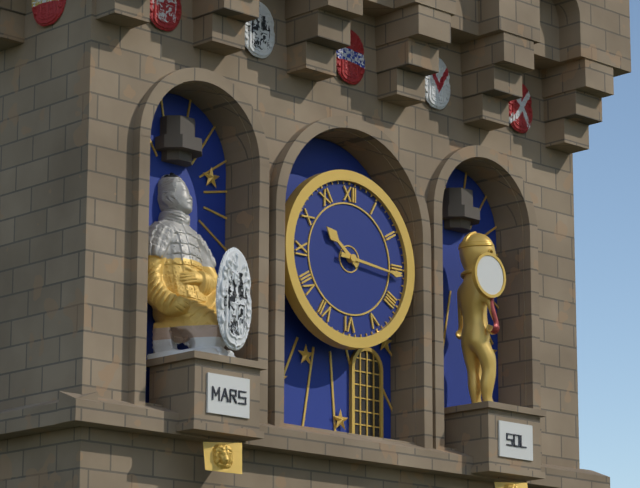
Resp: 10,16
